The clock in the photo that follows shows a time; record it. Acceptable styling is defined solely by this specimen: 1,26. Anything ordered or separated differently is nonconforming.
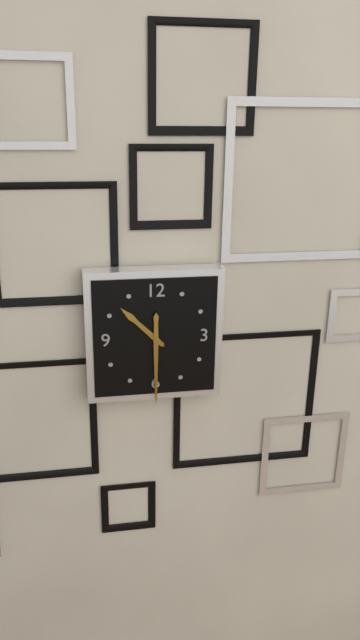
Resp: 10,30
